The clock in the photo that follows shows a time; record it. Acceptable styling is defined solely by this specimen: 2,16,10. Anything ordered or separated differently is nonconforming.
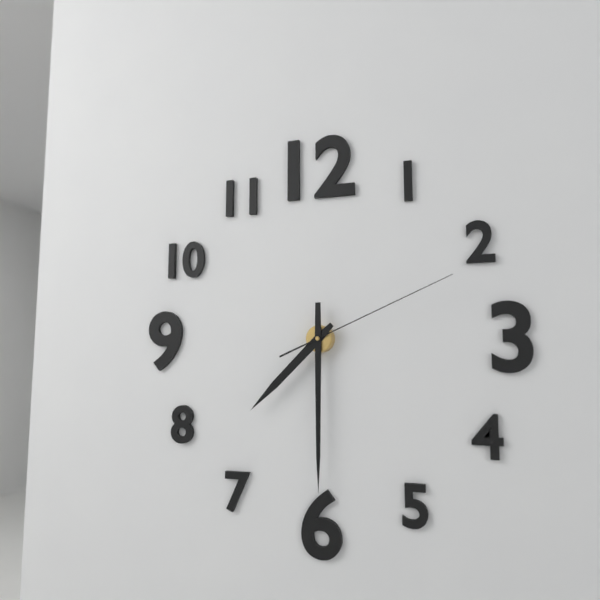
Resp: 7,30,11
